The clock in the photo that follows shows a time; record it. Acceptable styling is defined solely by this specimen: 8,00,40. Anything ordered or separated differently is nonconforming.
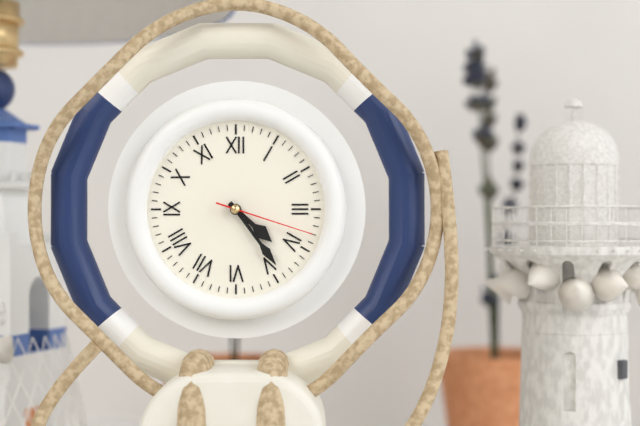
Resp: 4,24,18
